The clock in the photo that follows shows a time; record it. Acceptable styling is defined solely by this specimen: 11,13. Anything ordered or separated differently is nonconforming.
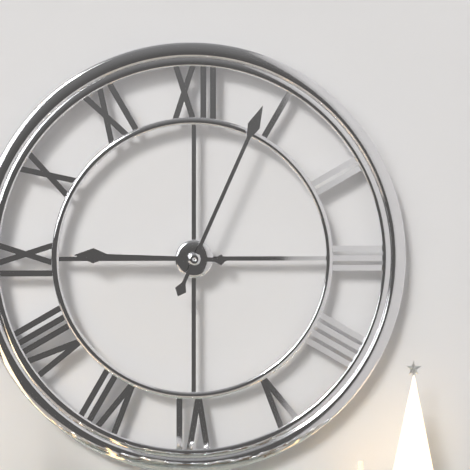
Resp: 9,04
